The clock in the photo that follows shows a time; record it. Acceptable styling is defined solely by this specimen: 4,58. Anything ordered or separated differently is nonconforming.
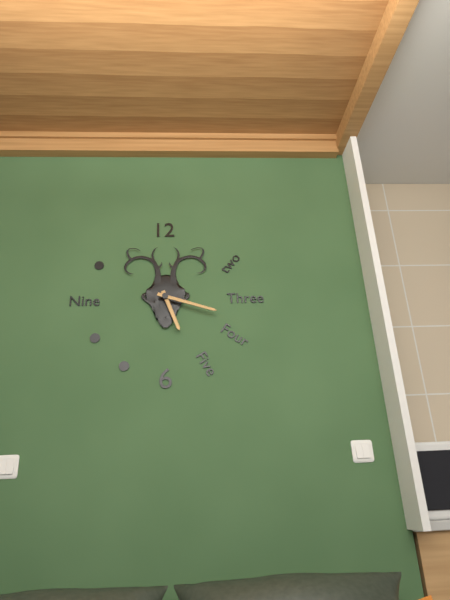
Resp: 5,18
